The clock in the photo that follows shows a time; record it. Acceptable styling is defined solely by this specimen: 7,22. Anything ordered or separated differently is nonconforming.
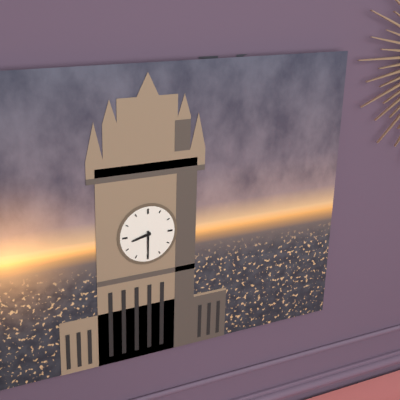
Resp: 8,30
